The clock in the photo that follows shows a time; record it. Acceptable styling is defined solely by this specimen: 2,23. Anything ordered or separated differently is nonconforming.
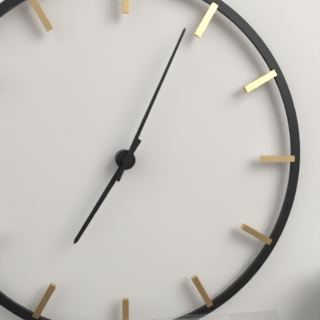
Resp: 7,04
